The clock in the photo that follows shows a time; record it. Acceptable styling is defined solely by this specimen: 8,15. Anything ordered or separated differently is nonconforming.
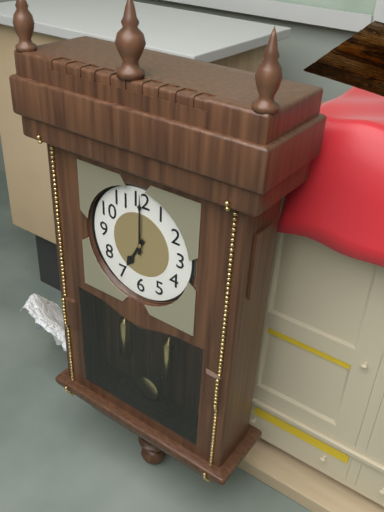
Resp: 7,00
